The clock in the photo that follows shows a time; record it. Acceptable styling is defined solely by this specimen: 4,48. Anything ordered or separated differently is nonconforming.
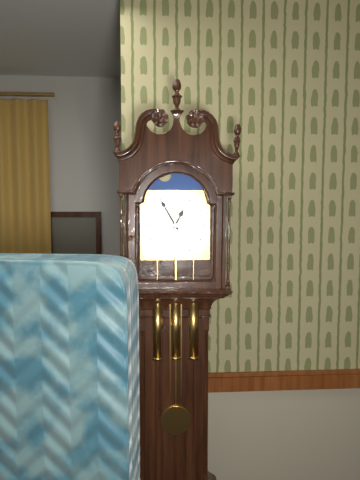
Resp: 12,55
